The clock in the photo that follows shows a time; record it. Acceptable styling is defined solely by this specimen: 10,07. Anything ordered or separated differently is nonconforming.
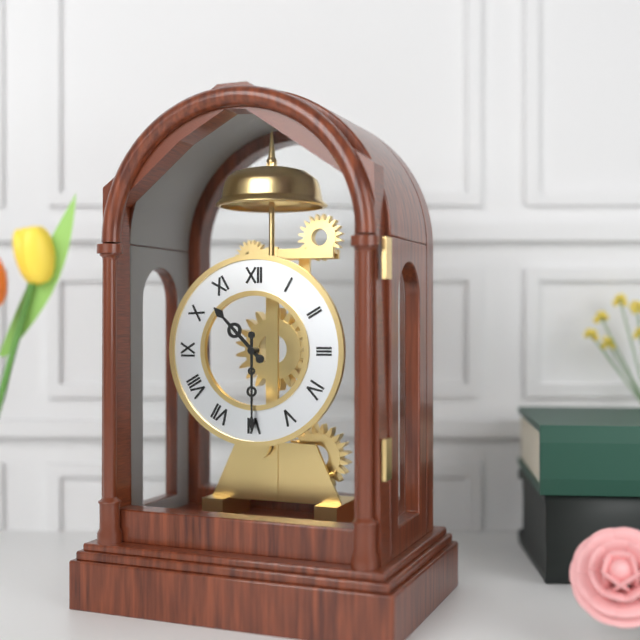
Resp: 10,30
